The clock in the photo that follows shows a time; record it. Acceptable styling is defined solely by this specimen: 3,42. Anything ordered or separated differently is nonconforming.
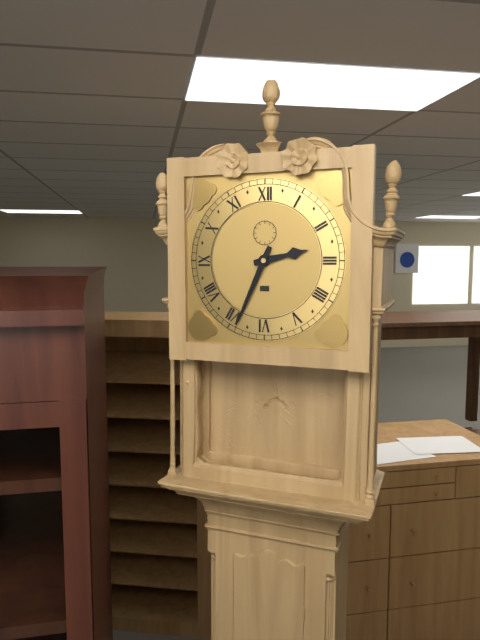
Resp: 2,34
